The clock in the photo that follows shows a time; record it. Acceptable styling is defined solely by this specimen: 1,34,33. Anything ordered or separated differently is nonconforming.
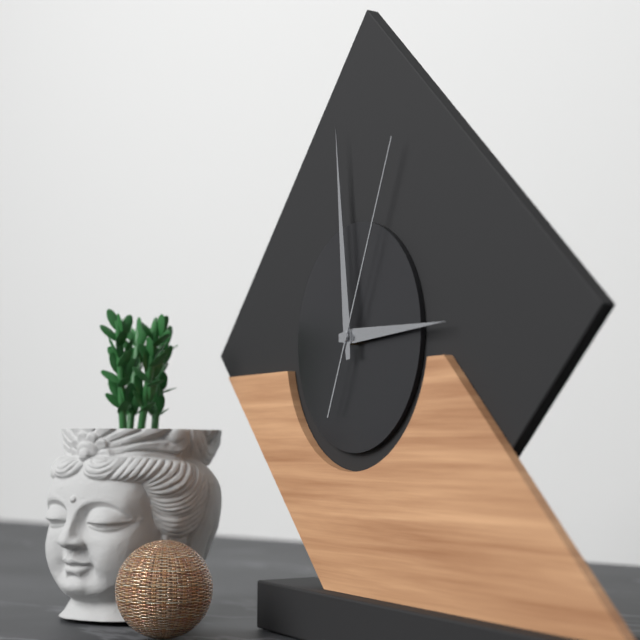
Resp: 2,59,04
